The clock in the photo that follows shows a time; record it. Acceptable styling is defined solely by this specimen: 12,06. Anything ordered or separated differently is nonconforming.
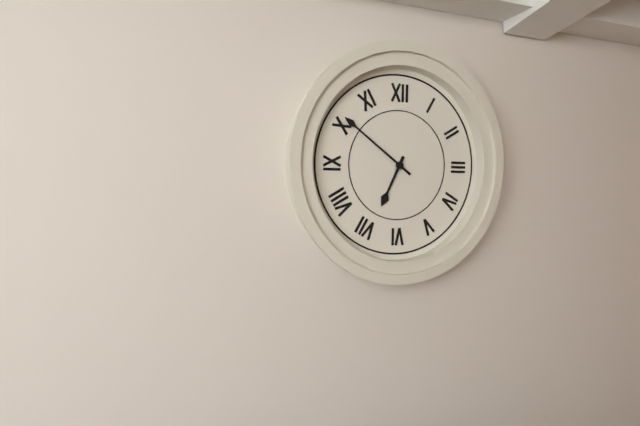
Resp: 6,51
